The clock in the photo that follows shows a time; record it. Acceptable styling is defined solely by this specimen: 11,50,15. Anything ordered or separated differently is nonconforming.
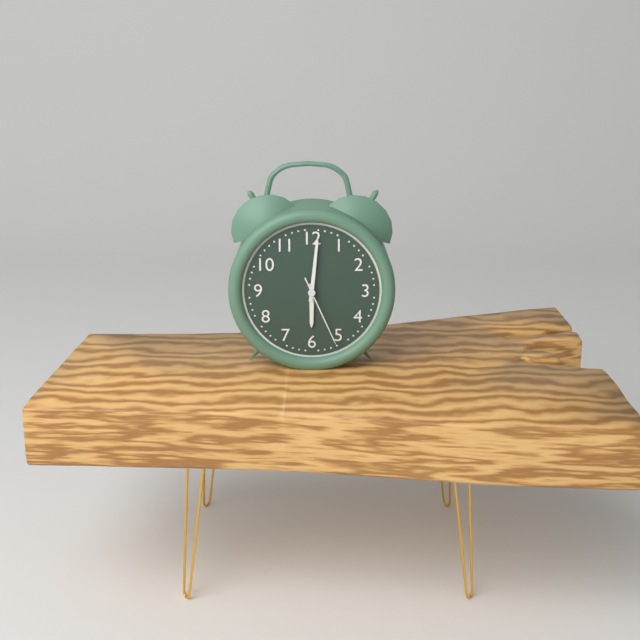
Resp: 6,01,26
